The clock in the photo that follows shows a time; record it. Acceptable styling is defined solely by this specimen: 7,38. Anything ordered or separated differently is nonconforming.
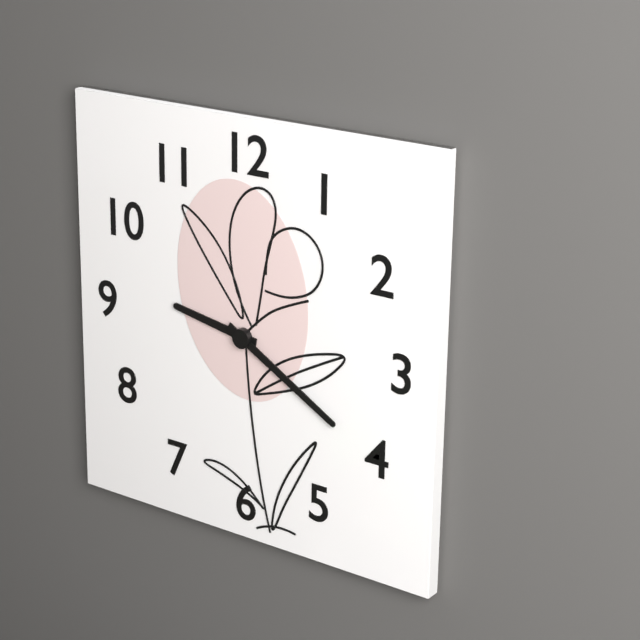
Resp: 9,20
